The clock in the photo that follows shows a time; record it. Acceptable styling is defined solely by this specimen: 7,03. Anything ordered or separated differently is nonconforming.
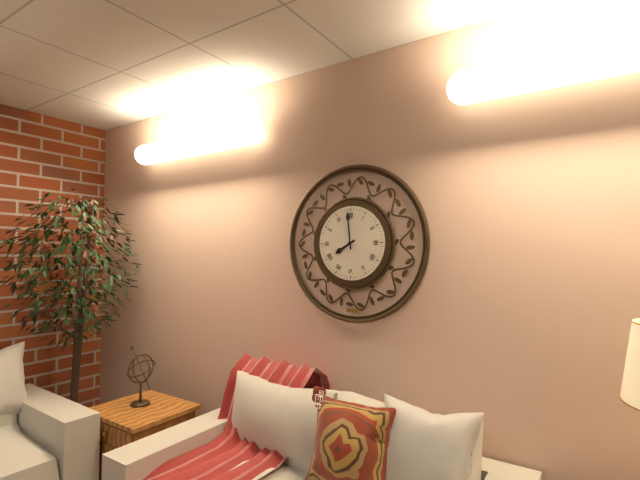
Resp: 7,59
